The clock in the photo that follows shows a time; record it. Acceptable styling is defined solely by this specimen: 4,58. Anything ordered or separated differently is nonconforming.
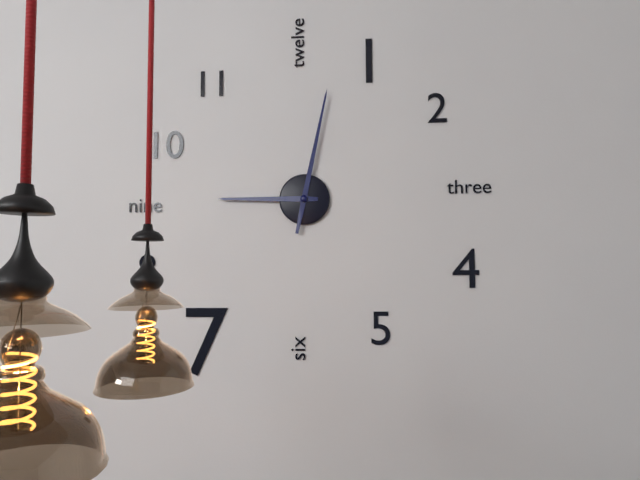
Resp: 9,02
